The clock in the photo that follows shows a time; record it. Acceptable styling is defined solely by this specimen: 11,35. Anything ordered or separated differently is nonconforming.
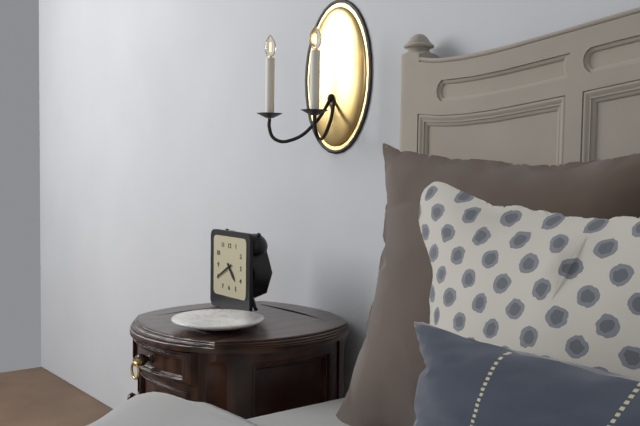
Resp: 4,40
